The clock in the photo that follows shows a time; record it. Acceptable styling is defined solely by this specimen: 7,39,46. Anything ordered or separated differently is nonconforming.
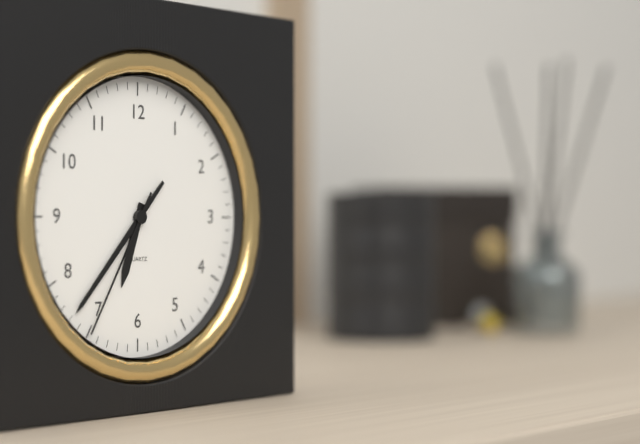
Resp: 6,37,35
